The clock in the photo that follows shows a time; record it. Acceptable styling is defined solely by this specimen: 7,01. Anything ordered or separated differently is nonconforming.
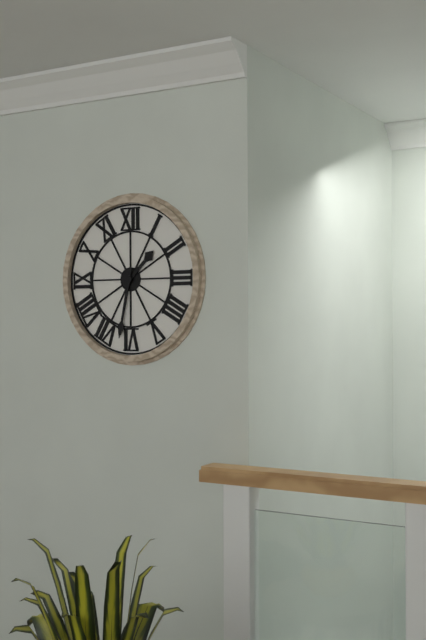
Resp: 1,32
